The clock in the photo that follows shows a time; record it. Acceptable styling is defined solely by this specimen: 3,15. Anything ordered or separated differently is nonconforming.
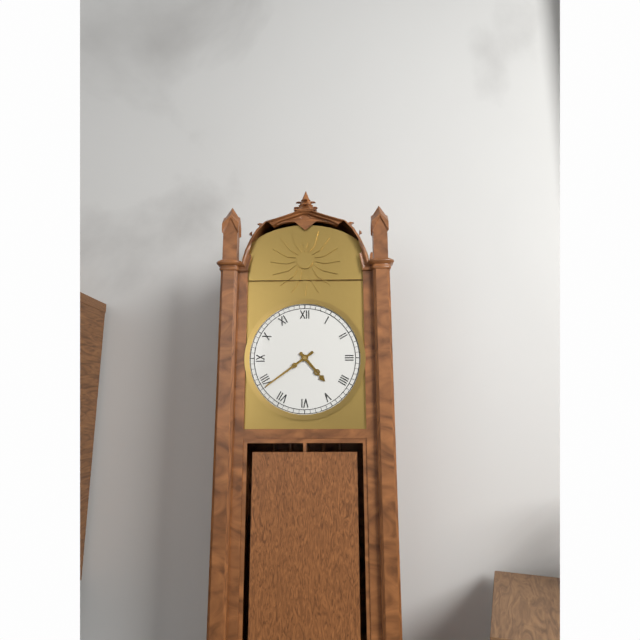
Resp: 4,39
